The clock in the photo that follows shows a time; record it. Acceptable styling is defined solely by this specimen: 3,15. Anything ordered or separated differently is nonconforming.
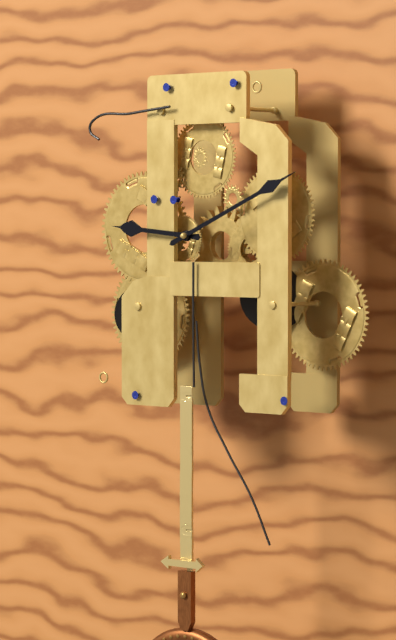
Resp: 9,11
